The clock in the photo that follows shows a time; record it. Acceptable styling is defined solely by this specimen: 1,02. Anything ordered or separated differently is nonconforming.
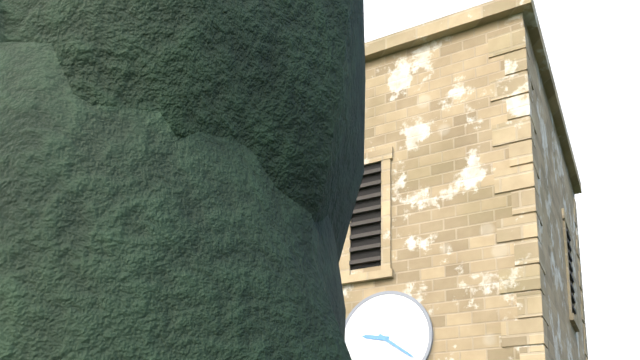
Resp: 9,21
